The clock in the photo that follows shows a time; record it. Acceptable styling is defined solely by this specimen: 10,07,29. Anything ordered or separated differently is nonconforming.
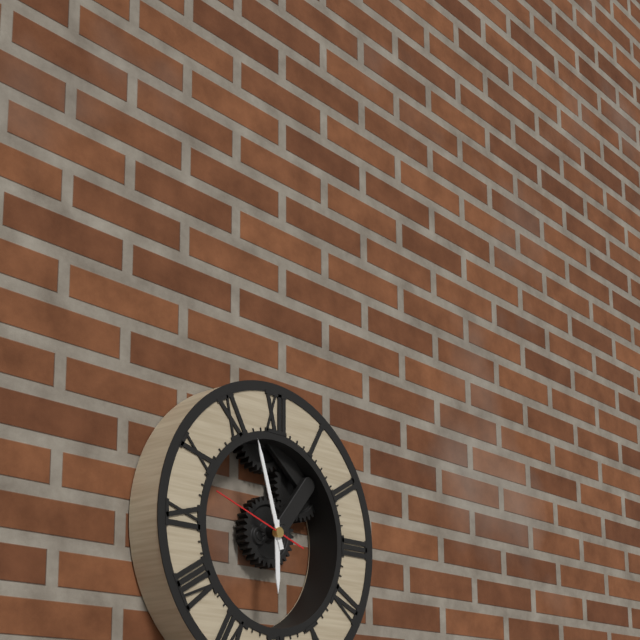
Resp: 5,57,48
